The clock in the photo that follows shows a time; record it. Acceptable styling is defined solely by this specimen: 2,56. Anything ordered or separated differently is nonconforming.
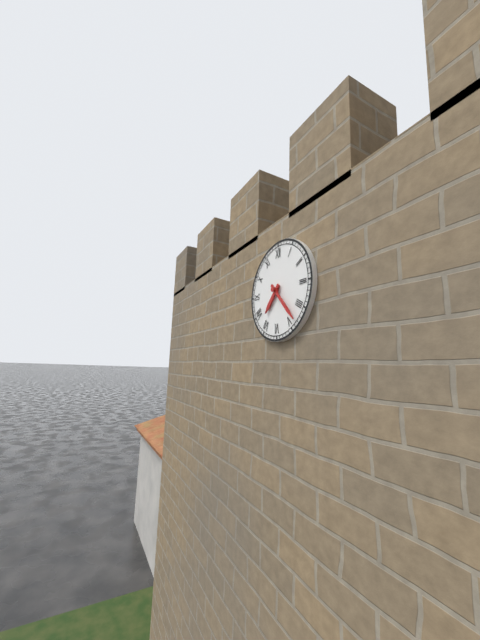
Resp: 7,23
